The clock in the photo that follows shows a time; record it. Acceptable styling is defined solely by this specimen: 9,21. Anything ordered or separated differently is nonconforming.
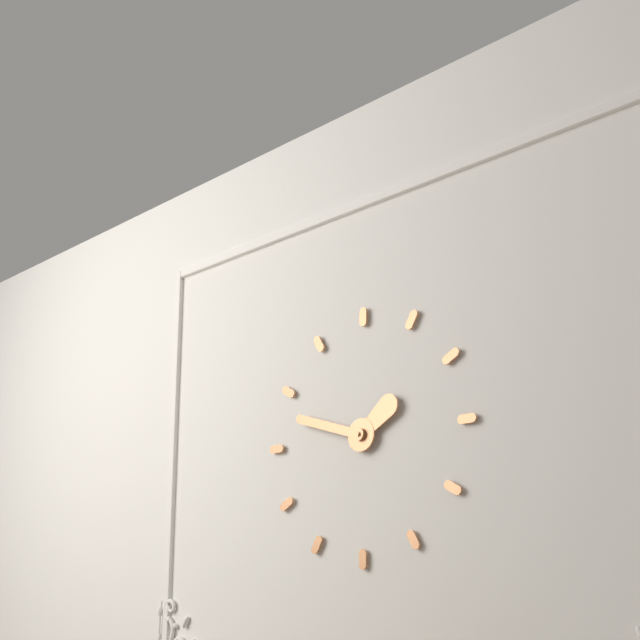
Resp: 1,48
